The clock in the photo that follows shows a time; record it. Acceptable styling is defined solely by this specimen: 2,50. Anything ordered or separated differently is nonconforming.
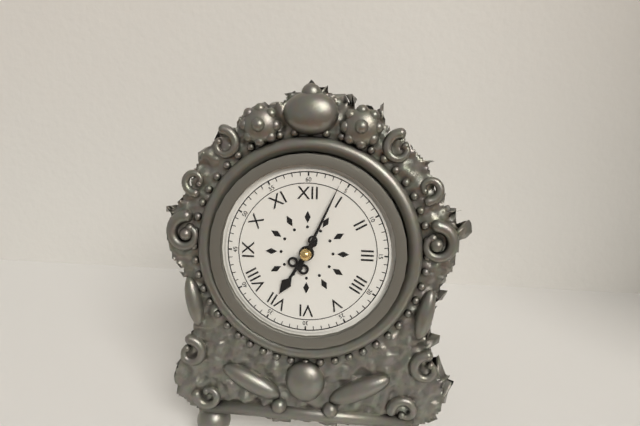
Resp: 7,04
